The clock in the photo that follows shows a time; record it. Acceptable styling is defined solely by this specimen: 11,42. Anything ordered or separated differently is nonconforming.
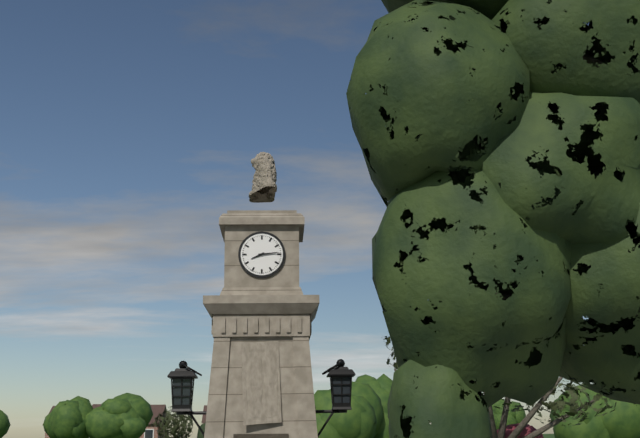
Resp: 8,14
